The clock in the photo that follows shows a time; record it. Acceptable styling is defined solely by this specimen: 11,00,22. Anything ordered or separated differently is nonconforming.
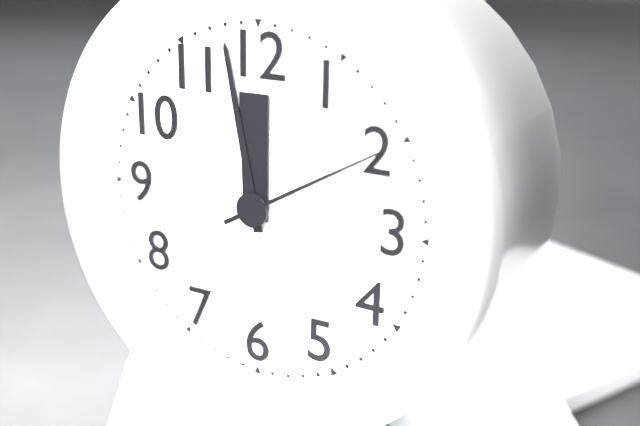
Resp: 11,58,10
